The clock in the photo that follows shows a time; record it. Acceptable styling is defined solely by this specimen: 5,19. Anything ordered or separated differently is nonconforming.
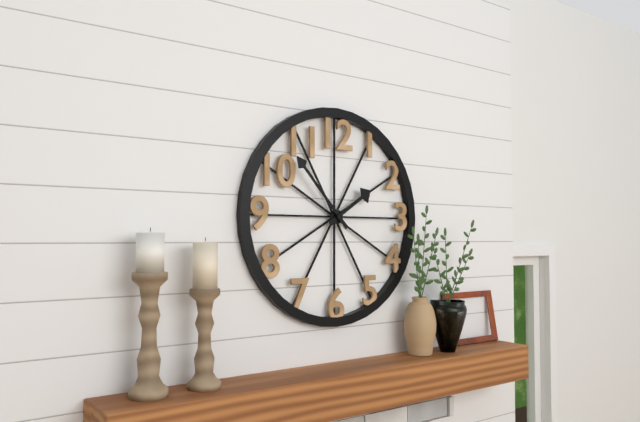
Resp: 1,53
